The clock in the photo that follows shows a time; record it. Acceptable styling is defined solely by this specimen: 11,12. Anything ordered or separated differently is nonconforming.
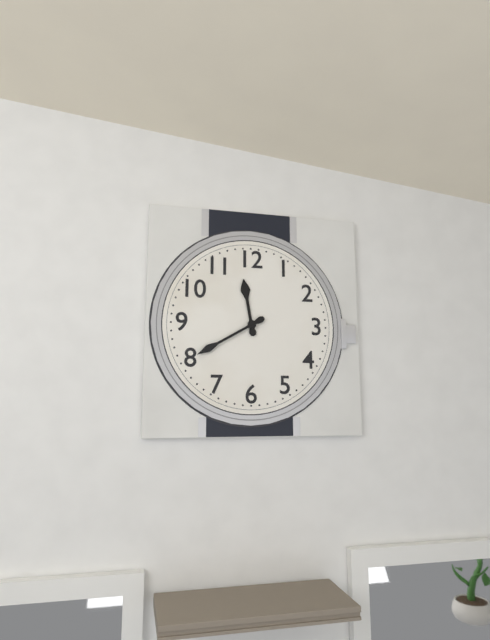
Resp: 11,40
